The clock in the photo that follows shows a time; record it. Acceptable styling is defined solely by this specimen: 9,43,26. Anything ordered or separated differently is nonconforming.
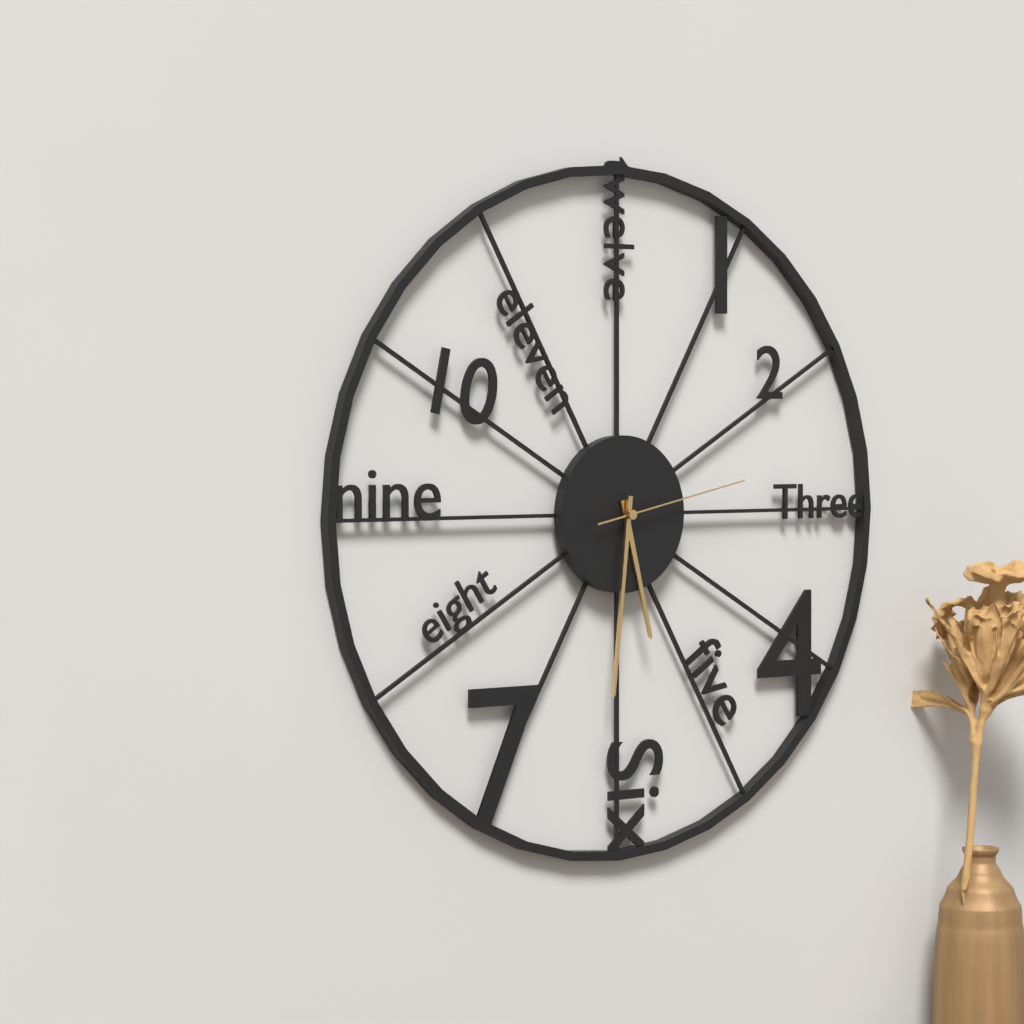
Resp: 5,31,13
